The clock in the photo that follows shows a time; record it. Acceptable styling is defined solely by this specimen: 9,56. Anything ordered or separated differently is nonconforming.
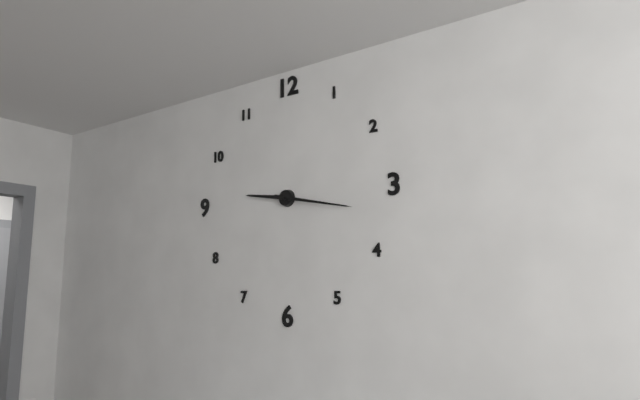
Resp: 9,17
